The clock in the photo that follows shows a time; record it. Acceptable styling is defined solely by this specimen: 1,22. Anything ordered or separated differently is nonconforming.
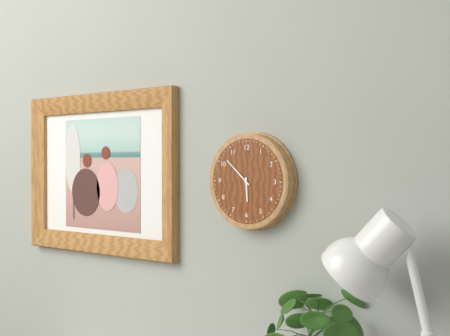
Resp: 5,52
